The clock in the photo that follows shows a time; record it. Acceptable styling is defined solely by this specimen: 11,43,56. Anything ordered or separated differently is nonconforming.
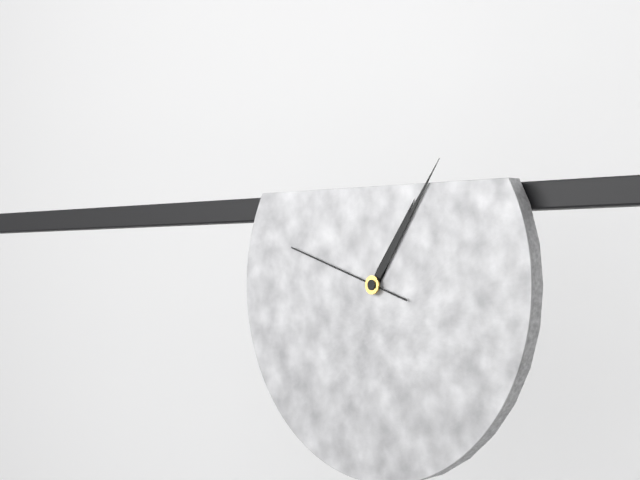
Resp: 1,06,48
